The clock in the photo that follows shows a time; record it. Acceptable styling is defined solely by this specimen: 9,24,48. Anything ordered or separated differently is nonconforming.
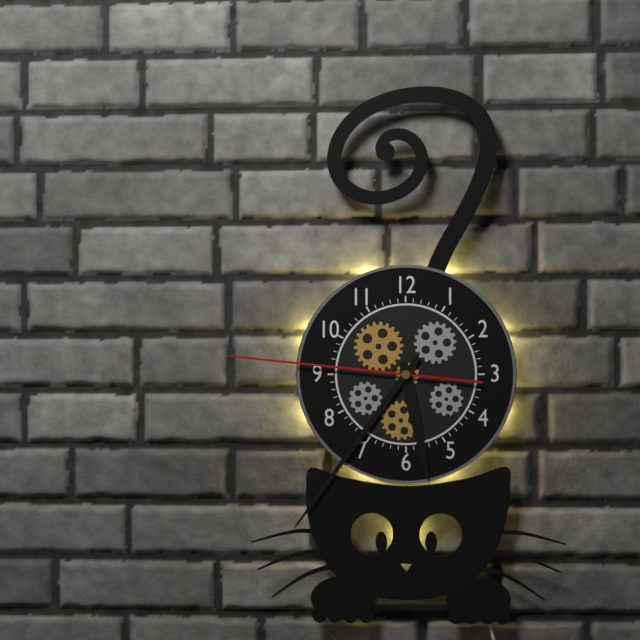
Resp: 5,36,46
